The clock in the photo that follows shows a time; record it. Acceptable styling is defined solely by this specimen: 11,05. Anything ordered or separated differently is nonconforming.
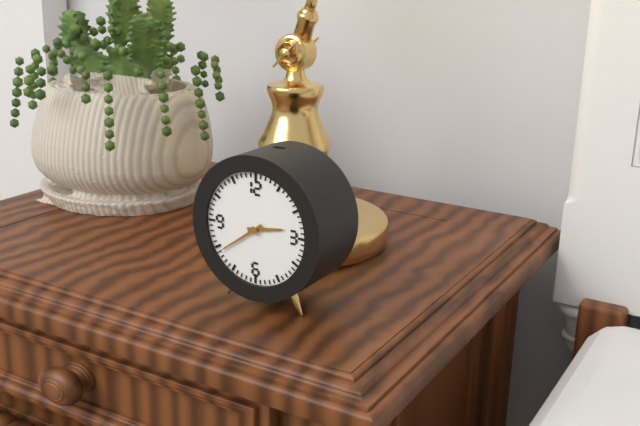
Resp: 2,39
